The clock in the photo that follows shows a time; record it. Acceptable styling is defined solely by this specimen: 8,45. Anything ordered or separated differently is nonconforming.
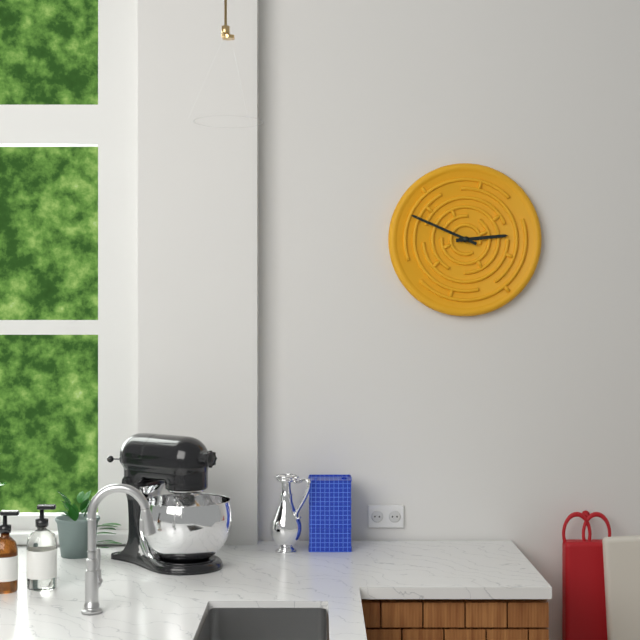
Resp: 2,49
